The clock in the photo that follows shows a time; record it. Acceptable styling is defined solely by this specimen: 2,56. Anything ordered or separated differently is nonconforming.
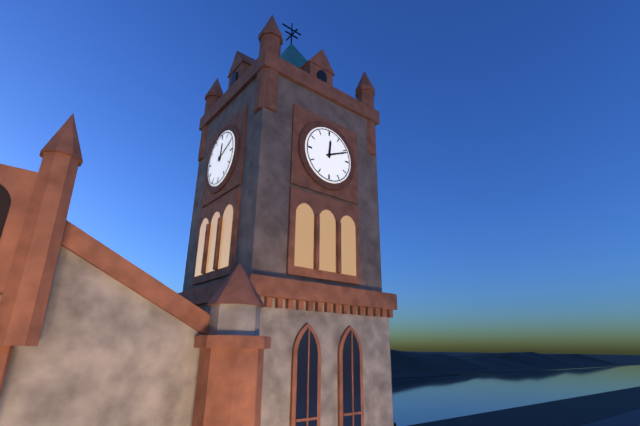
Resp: 12,11
